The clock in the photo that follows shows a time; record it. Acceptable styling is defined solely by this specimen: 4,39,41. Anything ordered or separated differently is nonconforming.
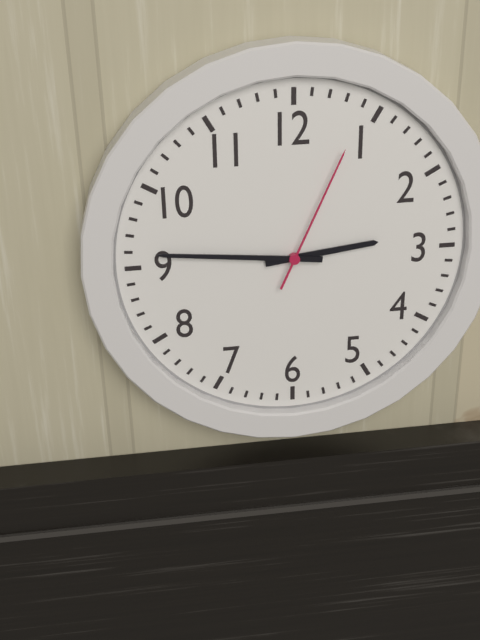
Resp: 2,46,04
